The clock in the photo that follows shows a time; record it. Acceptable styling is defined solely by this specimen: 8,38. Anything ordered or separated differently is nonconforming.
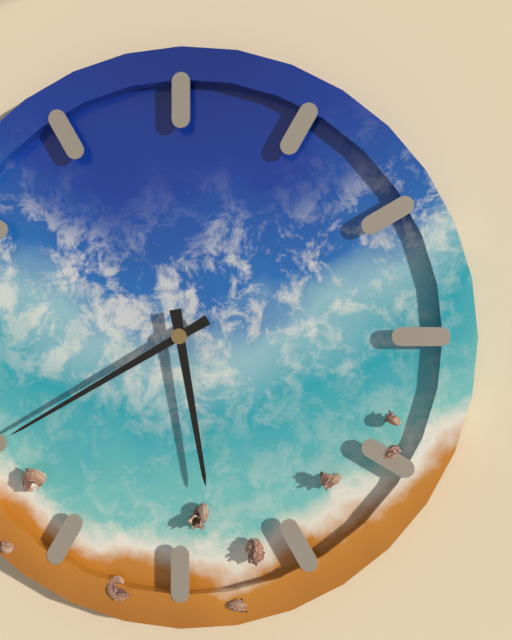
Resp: 5,40
